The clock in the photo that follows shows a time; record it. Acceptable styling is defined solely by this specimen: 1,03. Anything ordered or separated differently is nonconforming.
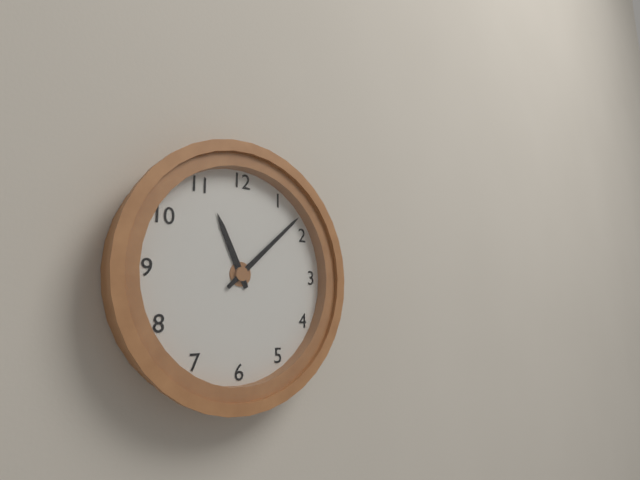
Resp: 11,08
